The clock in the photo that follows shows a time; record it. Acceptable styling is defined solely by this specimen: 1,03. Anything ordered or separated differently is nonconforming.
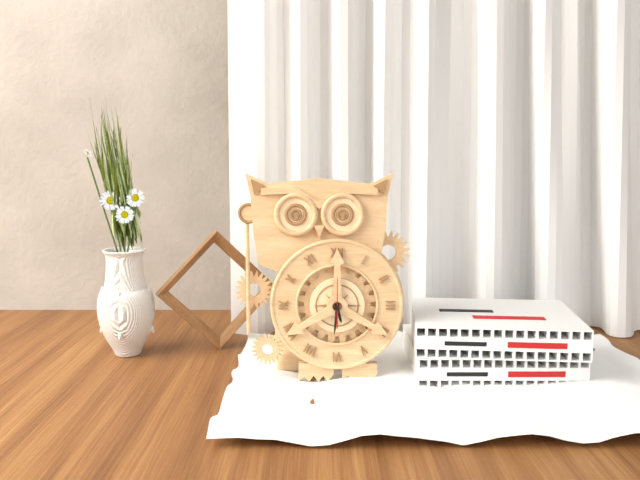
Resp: 5,31
